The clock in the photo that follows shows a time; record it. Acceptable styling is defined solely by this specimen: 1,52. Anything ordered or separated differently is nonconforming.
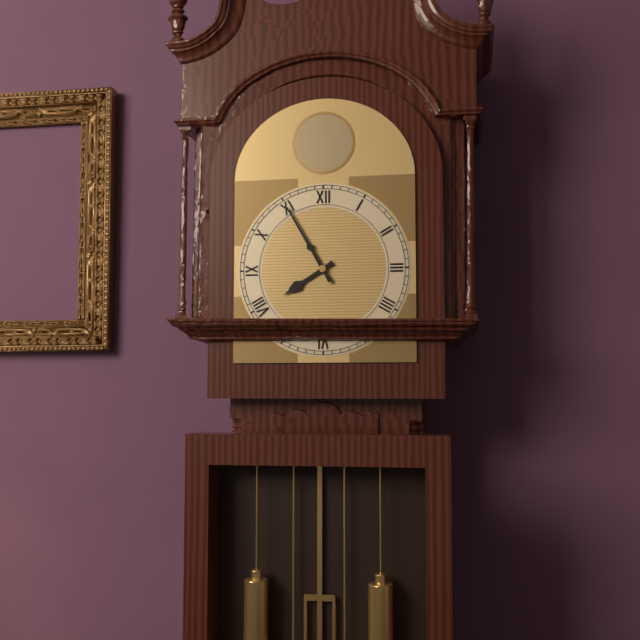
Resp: 7,55
